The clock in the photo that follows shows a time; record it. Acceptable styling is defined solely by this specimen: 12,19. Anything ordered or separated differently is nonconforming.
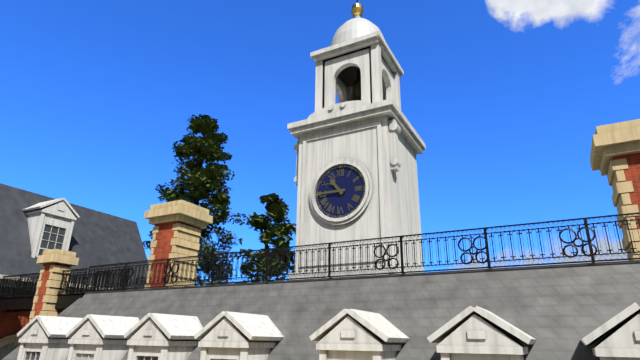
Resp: 10,45
